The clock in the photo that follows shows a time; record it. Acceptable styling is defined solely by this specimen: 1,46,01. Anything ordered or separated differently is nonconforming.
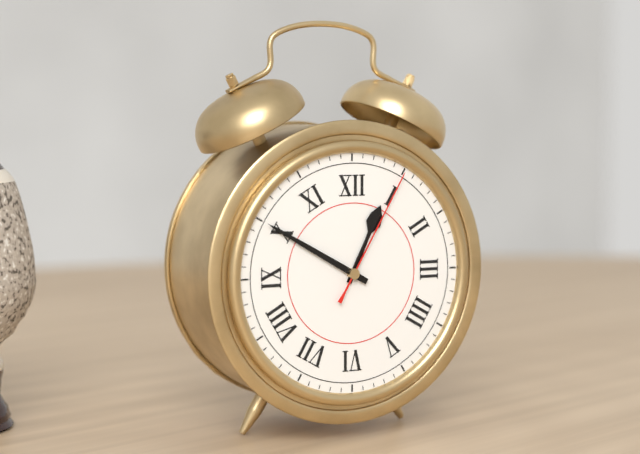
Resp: 12,50,05
